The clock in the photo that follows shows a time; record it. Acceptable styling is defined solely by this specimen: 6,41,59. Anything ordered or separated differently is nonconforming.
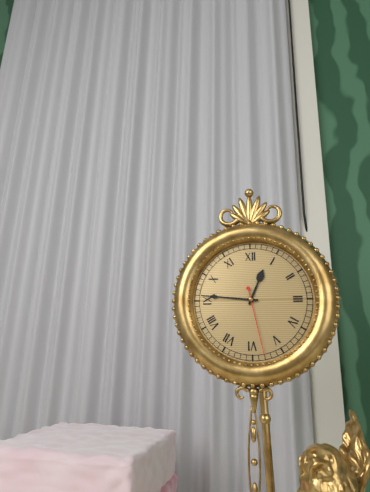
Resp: 12,46,28
